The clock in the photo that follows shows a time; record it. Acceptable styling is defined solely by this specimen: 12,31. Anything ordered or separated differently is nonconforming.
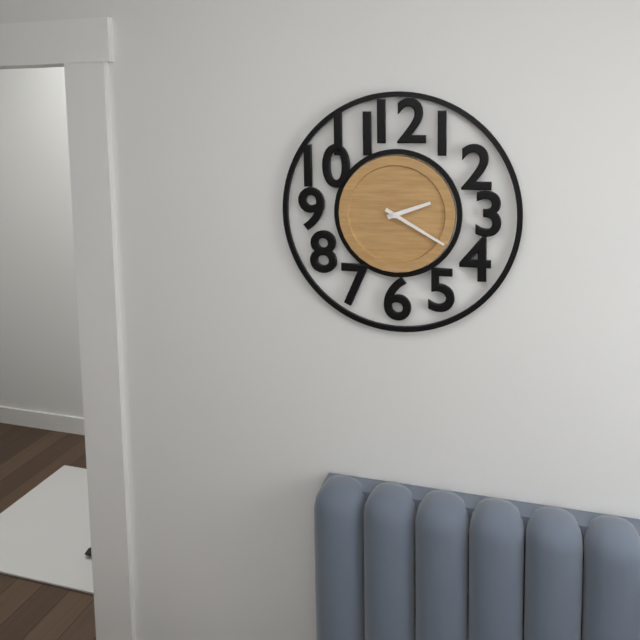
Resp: 2,20
